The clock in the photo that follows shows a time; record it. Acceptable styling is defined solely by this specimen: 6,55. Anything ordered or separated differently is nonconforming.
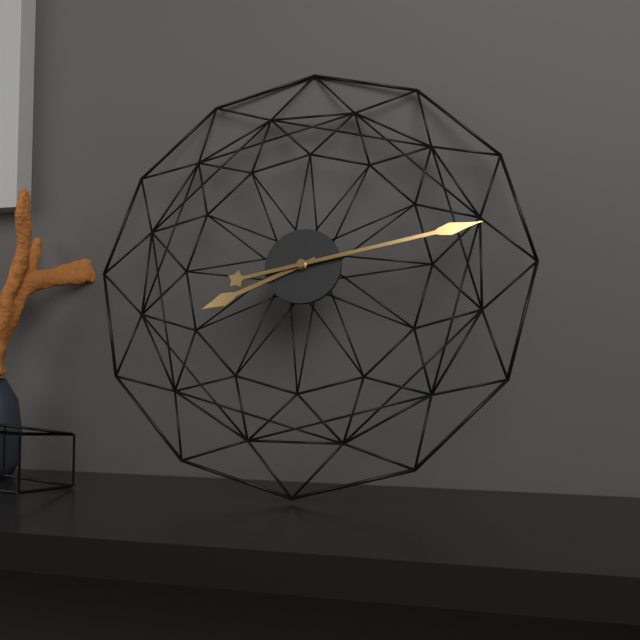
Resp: 8,13
